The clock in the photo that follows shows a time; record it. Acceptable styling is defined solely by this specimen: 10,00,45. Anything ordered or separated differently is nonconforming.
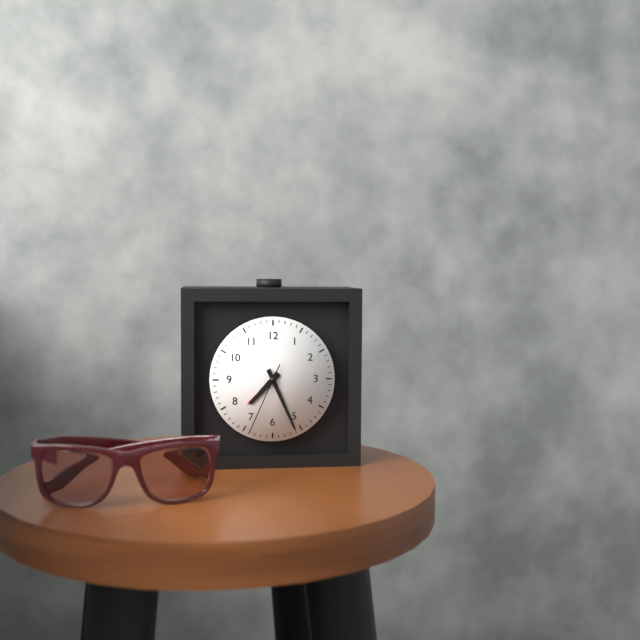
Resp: 7,26,34
